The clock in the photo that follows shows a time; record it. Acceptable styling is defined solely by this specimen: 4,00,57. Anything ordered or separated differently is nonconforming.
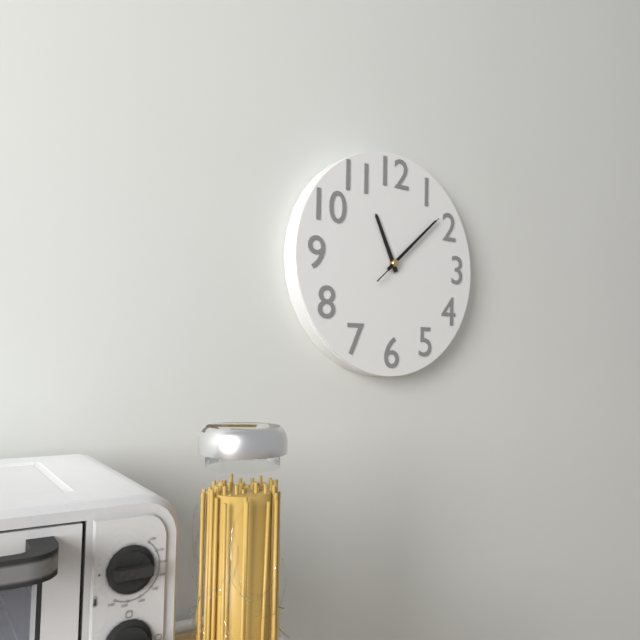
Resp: 11,08,08
